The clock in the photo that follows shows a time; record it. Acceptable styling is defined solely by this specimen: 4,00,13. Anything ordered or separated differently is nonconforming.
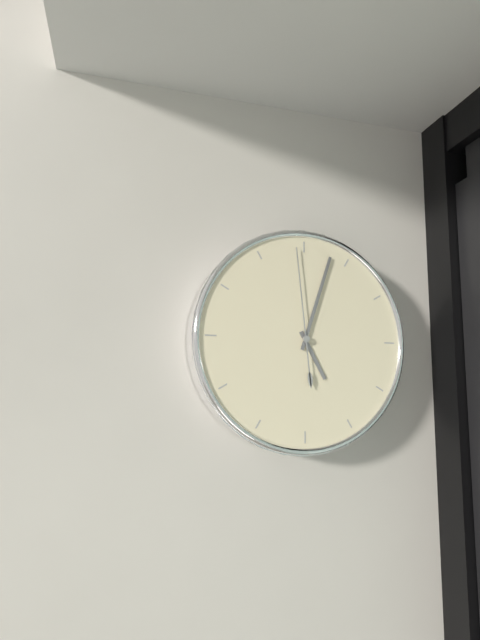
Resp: 5,03,59
